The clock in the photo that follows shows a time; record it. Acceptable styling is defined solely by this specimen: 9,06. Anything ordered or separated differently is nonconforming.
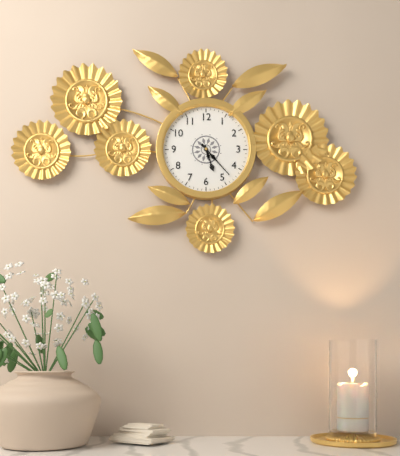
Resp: 5,23
